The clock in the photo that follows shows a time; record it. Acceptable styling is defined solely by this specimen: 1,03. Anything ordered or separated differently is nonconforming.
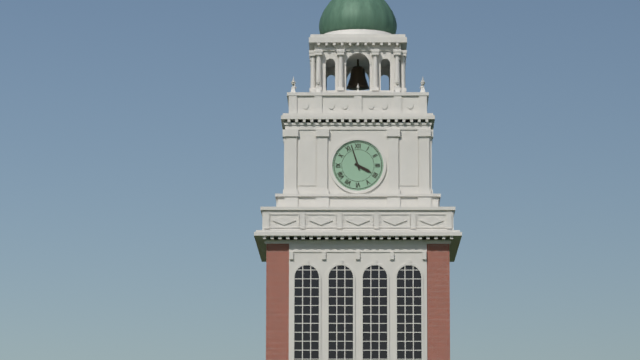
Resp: 3,57
